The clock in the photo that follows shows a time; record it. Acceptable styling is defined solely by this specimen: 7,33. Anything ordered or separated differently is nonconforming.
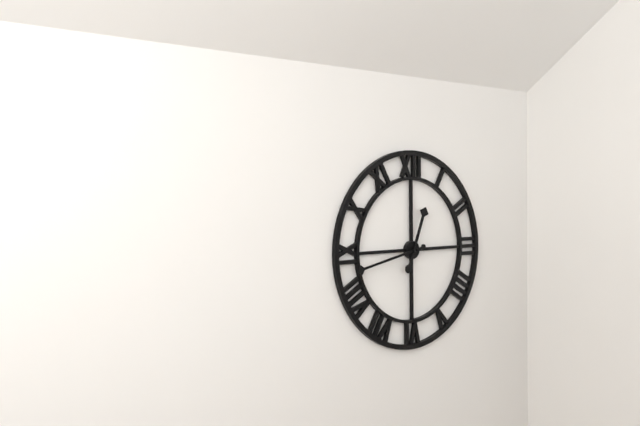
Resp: 12,43
